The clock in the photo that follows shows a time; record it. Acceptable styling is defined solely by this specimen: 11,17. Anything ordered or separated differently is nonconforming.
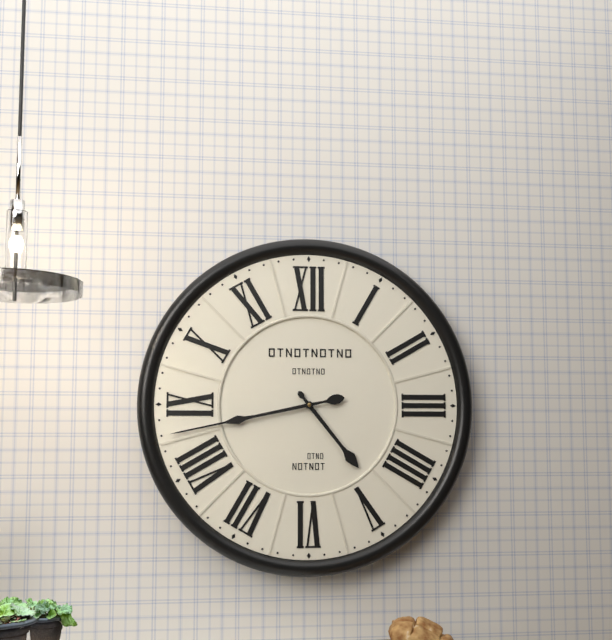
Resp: 4,43
